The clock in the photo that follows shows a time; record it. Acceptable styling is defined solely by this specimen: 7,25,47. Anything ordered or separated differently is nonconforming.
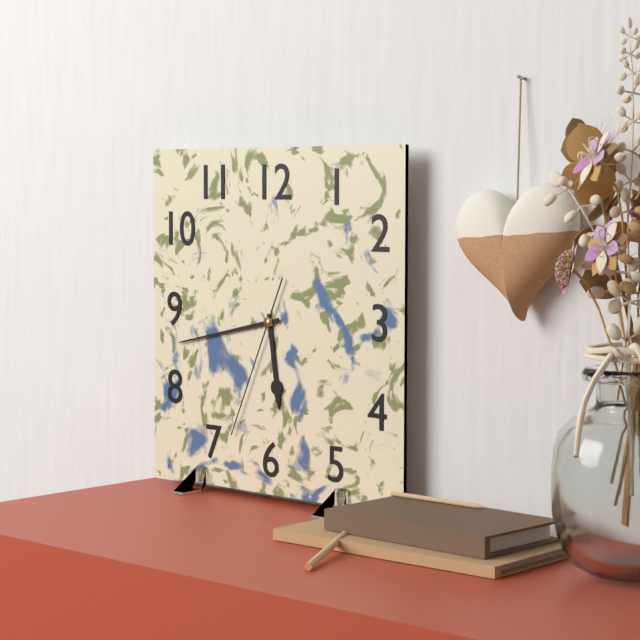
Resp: 5,43,34
